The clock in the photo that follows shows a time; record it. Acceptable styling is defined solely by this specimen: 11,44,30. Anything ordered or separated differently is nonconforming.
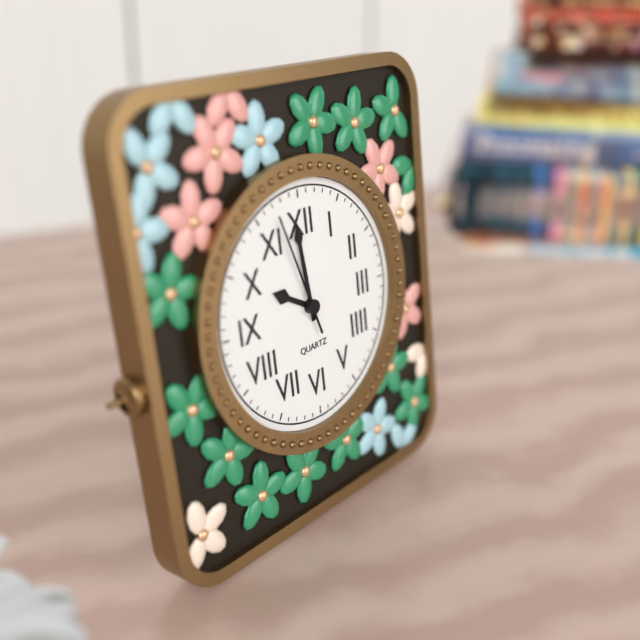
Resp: 9,59,57
